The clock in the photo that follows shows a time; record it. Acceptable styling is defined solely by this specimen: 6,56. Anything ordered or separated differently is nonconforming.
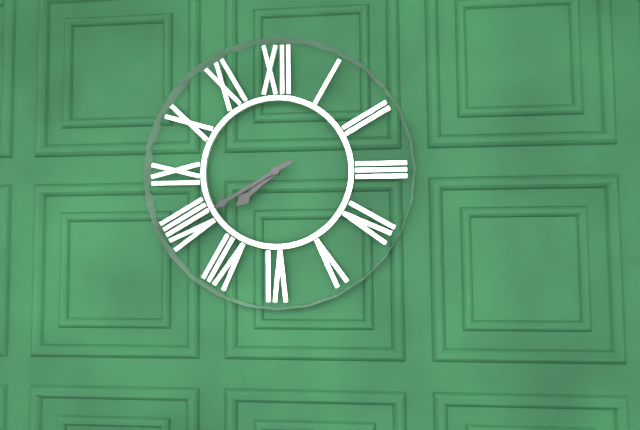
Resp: 7,40
